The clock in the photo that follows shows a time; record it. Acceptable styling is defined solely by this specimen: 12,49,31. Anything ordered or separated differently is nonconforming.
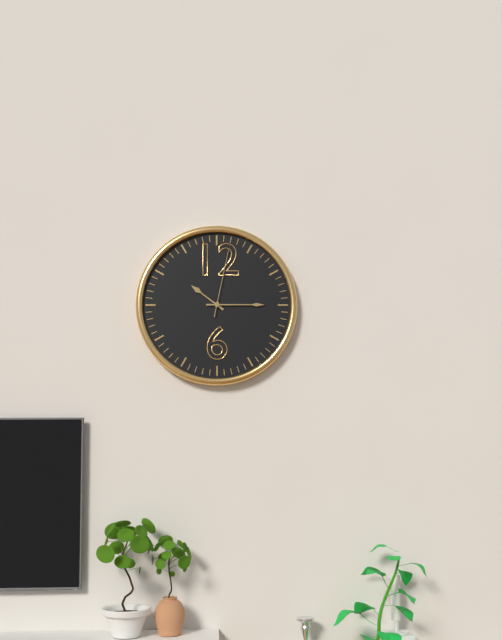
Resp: 10,15,02
